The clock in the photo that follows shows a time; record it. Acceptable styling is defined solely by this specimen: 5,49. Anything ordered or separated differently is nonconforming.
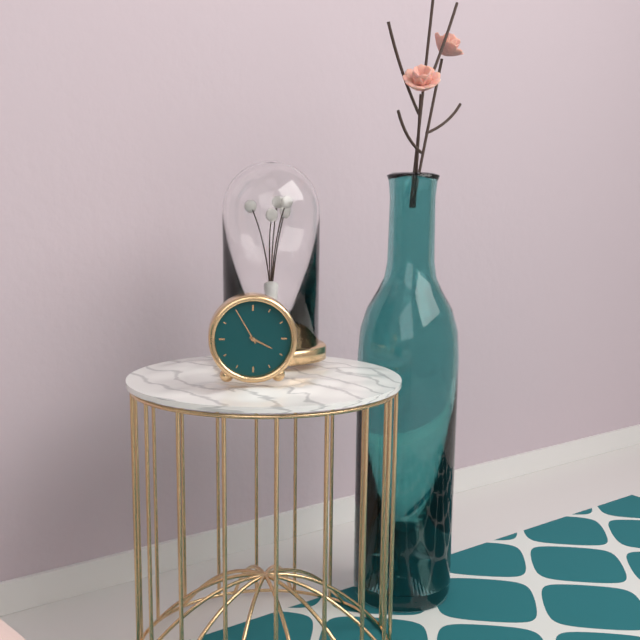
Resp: 3,55
